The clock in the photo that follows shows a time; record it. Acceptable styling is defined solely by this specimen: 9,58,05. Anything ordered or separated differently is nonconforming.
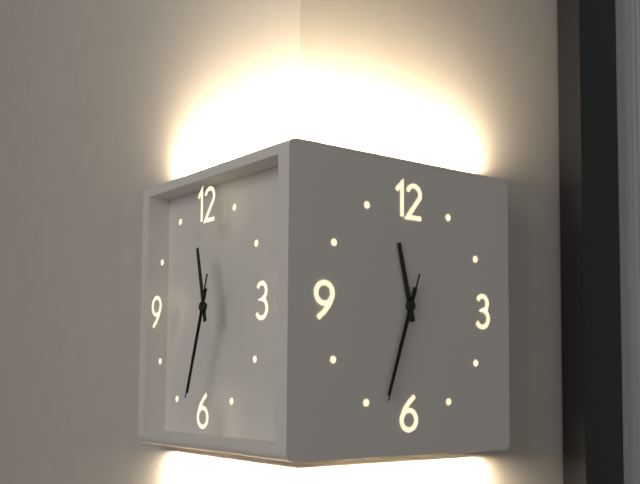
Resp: 11,33,33
